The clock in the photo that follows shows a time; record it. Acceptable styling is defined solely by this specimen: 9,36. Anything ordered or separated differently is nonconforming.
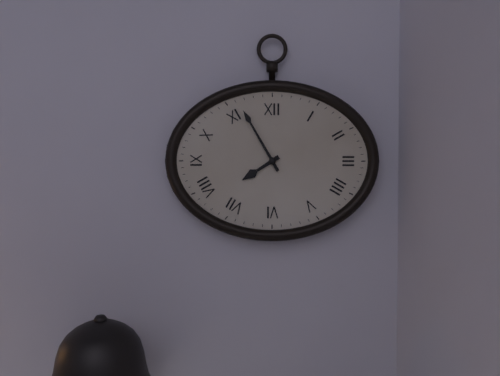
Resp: 7,55
